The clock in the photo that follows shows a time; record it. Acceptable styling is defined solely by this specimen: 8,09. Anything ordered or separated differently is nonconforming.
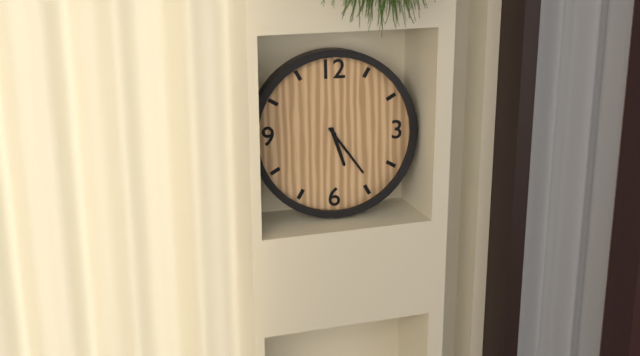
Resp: 5,24
